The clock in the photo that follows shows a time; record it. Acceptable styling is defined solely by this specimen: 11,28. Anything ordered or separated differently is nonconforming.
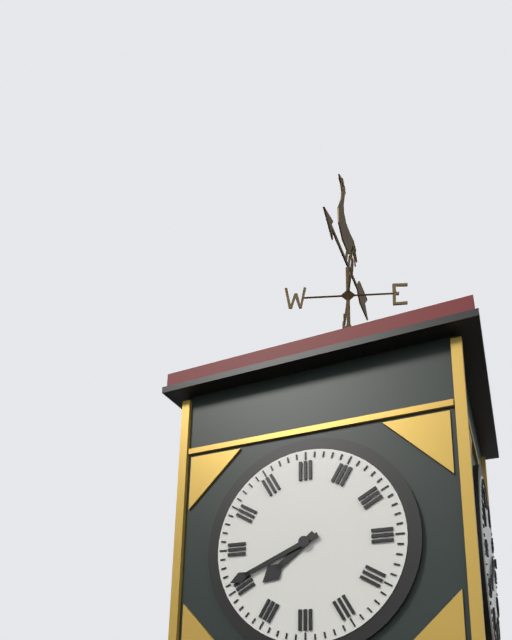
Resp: 7,41
